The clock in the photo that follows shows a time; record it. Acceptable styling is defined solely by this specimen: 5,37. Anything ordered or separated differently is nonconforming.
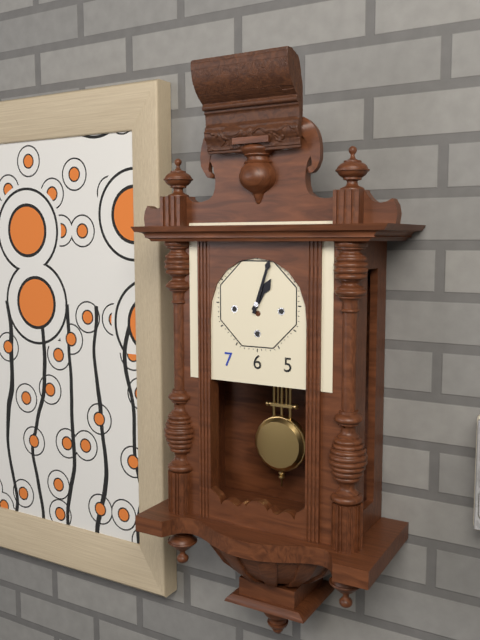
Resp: 1,03
